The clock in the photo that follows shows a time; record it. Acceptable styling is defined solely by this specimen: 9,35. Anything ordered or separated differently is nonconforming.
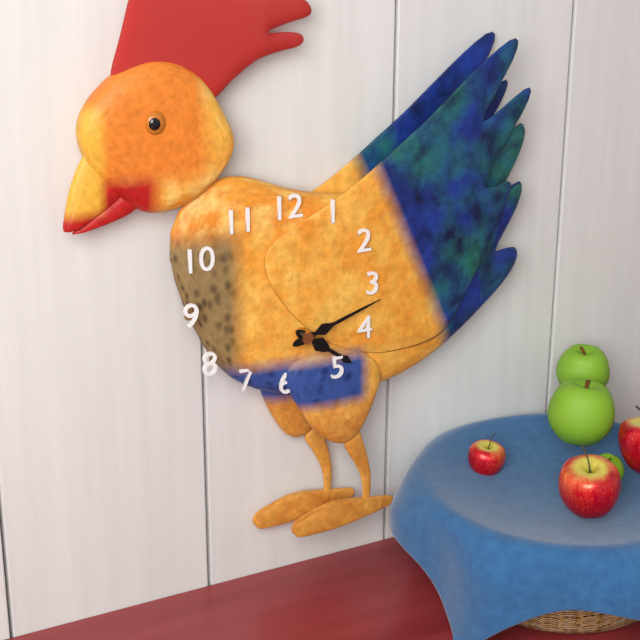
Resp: 4,12
